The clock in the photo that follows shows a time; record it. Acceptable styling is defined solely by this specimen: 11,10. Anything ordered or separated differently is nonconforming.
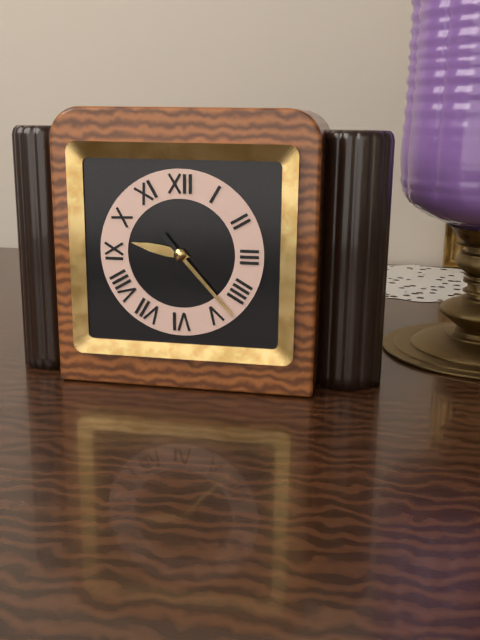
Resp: 9,23
